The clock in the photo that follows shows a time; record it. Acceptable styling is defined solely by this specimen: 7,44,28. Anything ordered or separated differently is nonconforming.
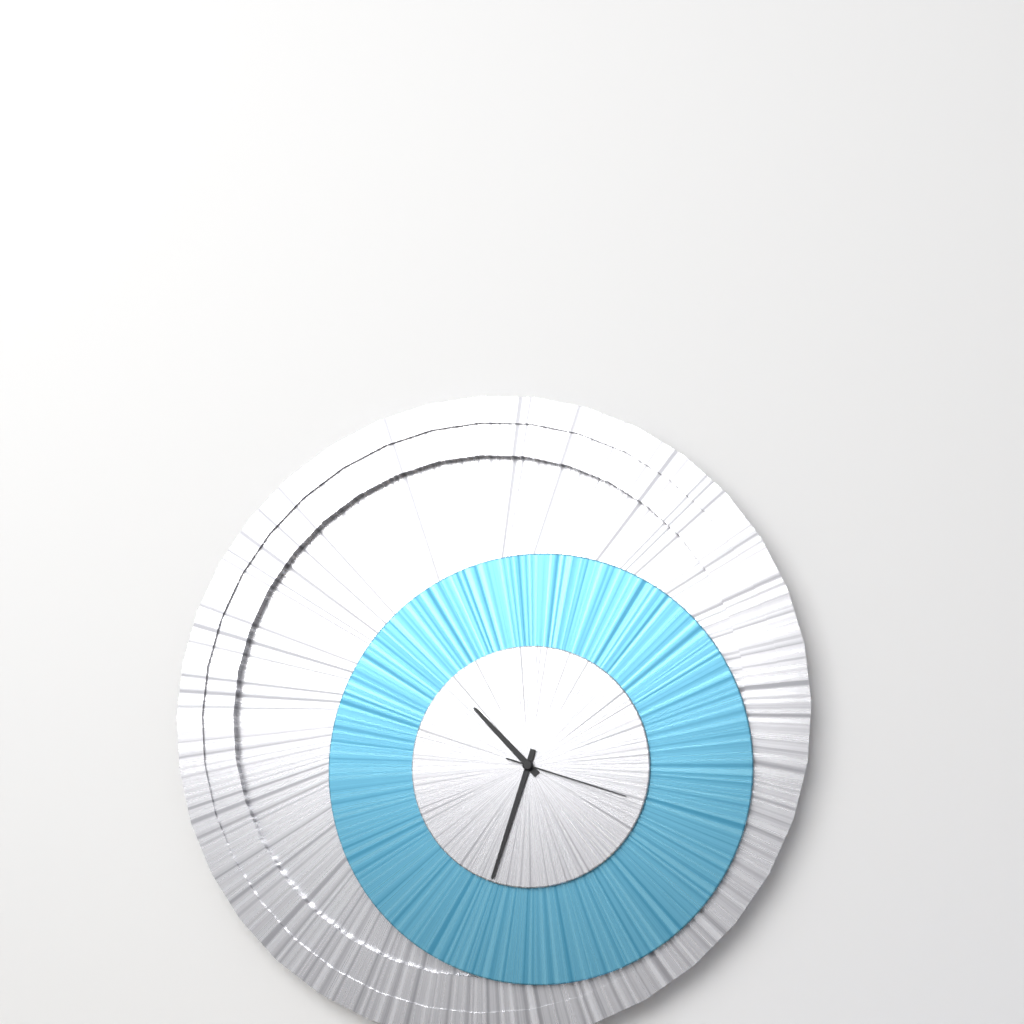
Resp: 10,33,18
